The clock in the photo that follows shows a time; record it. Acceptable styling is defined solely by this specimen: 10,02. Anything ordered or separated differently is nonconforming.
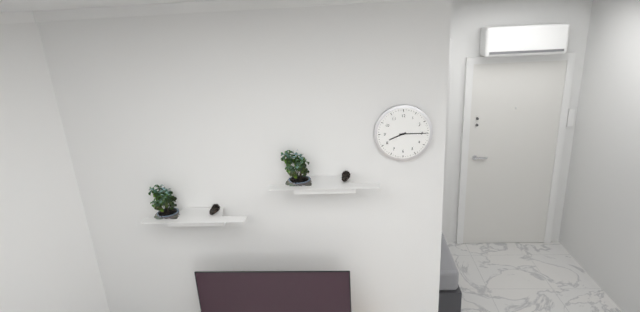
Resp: 8,15
